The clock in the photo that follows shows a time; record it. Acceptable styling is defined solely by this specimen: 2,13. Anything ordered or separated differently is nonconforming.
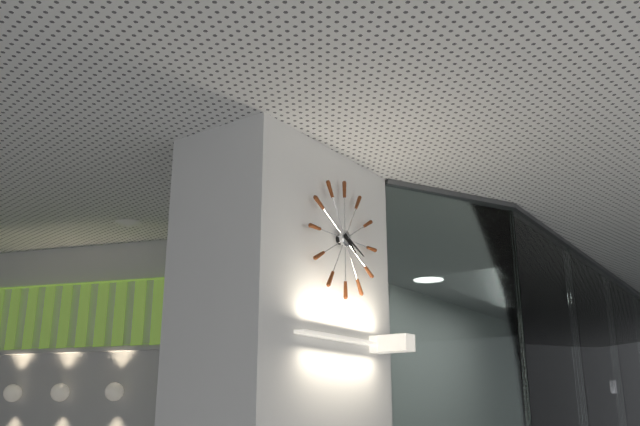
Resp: 4,19
